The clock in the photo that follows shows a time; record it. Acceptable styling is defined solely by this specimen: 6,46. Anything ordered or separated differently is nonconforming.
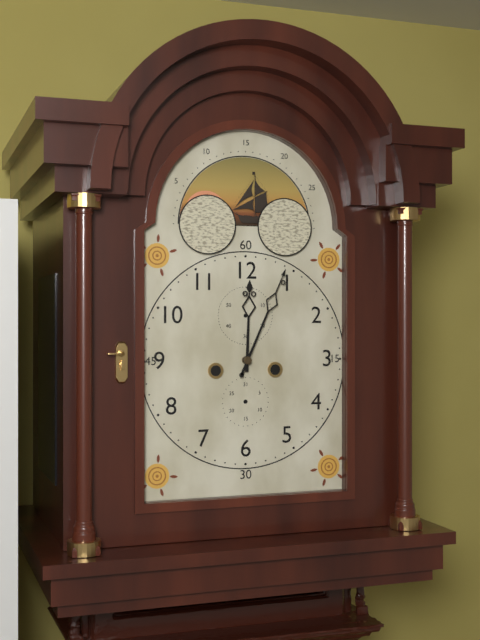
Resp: 12,04
